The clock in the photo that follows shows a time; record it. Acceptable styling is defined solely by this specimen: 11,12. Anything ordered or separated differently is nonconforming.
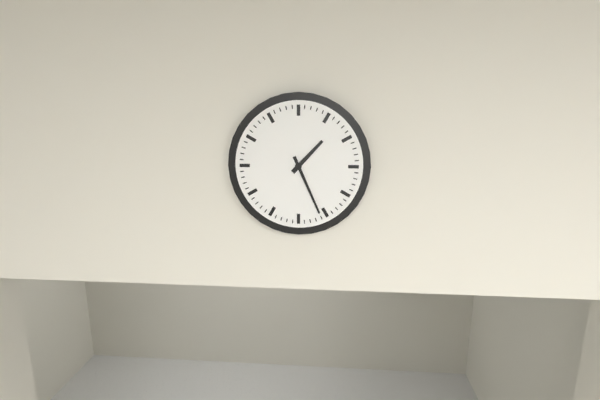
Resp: 1,26
